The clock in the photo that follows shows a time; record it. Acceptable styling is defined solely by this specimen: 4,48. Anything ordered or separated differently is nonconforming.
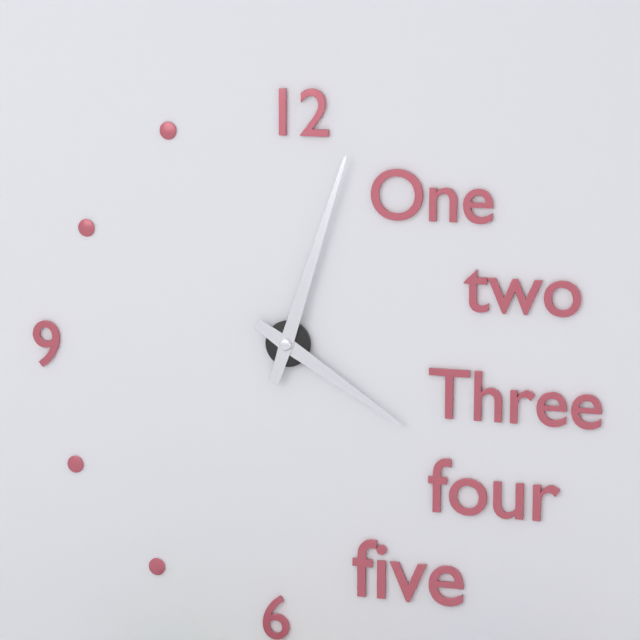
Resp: 4,03
